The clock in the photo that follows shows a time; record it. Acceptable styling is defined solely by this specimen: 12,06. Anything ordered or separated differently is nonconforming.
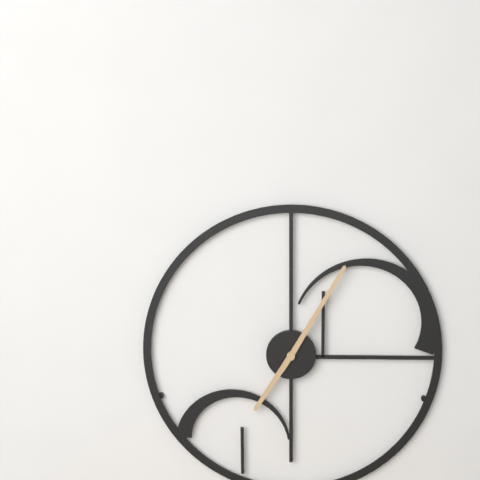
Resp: 7,05
